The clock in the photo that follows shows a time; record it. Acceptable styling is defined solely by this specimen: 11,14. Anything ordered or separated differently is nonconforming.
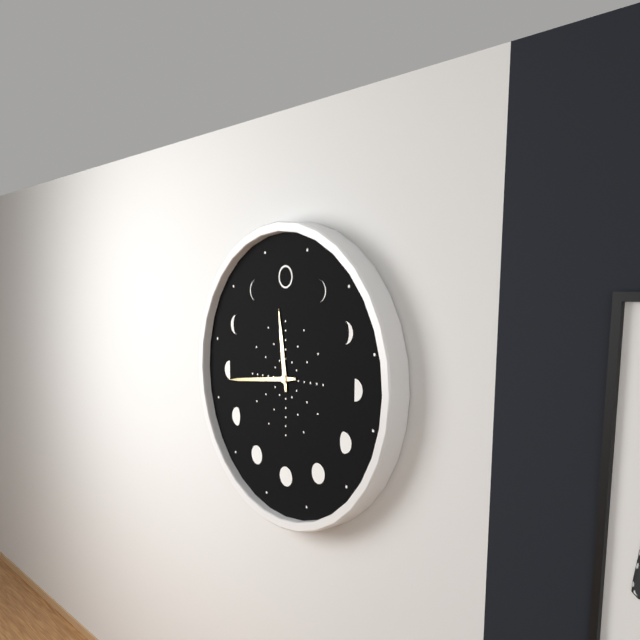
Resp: 11,44
